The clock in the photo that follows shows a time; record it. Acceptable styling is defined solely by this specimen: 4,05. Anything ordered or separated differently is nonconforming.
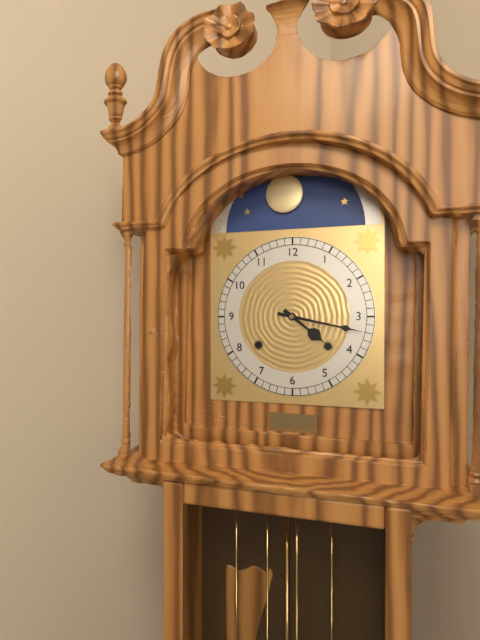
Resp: 4,17
